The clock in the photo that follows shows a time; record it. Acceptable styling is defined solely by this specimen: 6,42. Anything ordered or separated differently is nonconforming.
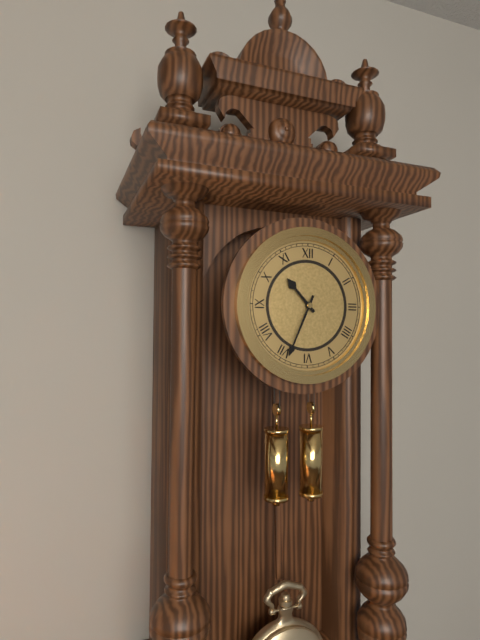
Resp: 10,34
